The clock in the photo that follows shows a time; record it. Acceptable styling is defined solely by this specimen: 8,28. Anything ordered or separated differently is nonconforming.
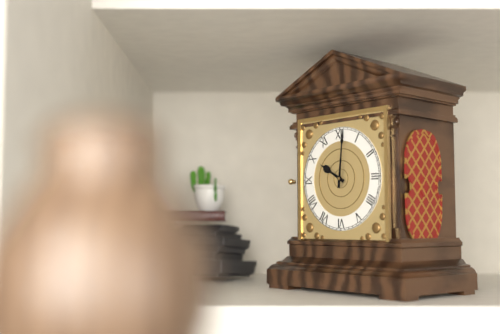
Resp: 10,01
